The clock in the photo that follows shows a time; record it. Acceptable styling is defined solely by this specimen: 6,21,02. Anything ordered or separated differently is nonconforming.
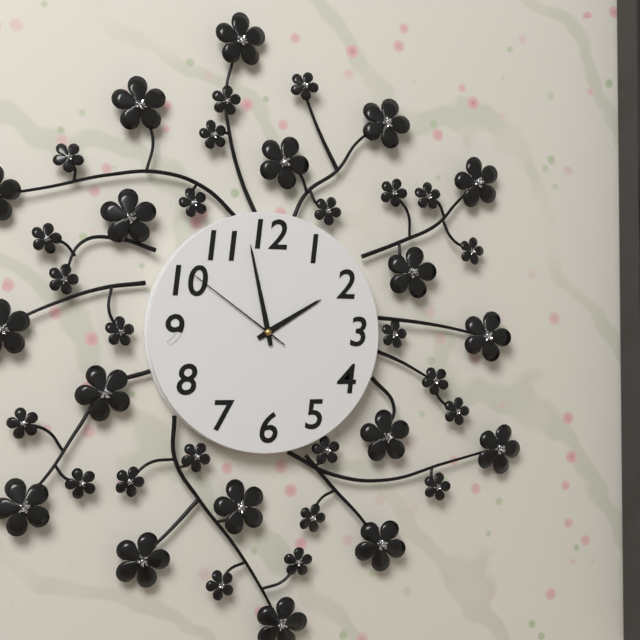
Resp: 1,58,51
